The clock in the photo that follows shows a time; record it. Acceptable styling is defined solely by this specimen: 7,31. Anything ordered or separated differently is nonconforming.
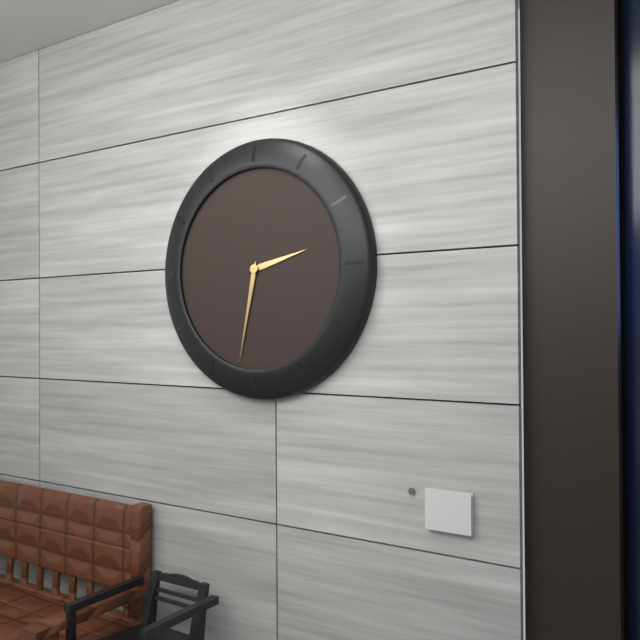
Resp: 2,32
